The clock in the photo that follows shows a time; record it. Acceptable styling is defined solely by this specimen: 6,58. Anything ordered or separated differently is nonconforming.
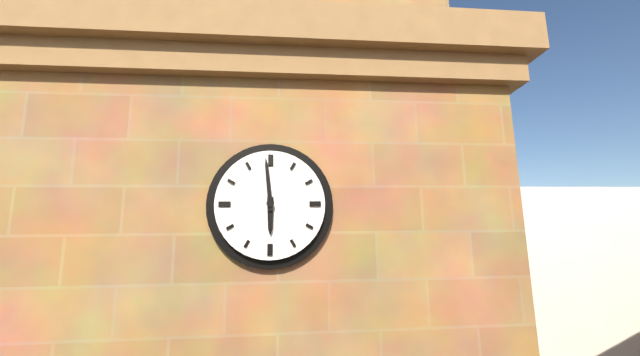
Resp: 5,59
